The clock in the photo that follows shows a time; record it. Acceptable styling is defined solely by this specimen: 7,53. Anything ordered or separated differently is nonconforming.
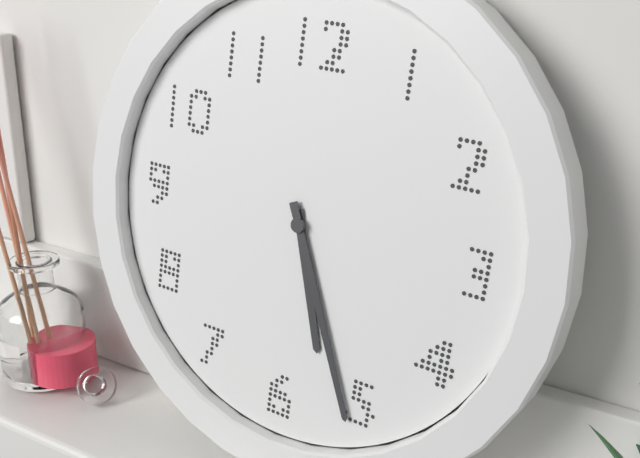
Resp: 5,26
